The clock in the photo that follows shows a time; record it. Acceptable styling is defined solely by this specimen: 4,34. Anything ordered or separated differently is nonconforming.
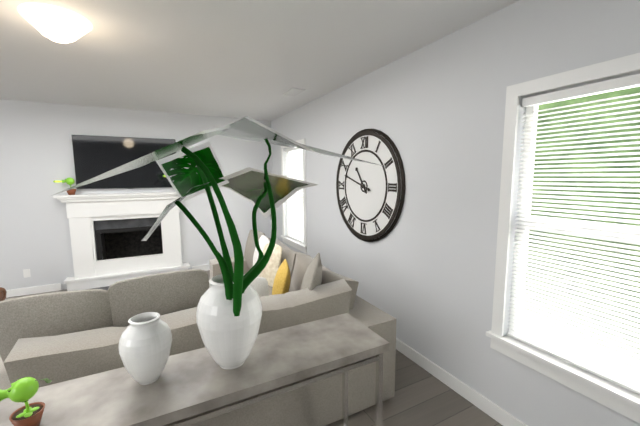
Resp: 10,48
